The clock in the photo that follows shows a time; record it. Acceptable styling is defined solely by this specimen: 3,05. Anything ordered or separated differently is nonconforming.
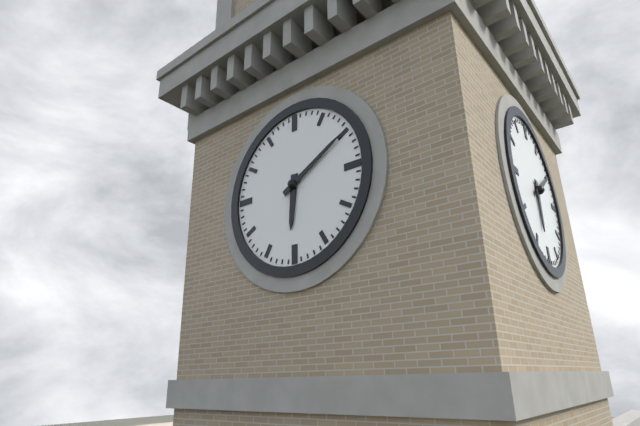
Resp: 6,10
